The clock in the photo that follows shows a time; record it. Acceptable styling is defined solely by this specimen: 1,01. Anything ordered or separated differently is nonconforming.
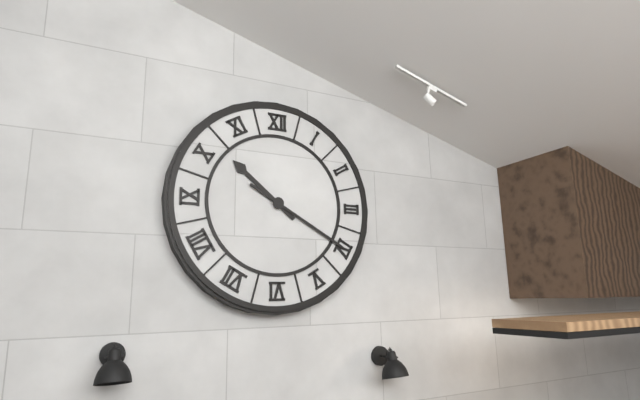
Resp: 10,20
